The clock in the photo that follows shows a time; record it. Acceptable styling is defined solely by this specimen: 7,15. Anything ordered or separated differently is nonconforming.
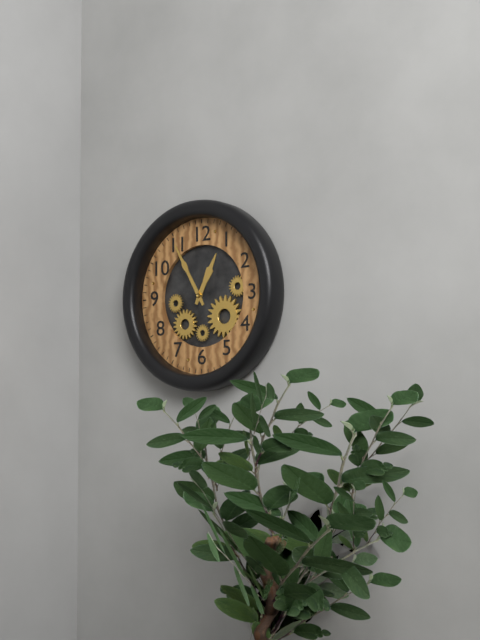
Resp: 12,55
